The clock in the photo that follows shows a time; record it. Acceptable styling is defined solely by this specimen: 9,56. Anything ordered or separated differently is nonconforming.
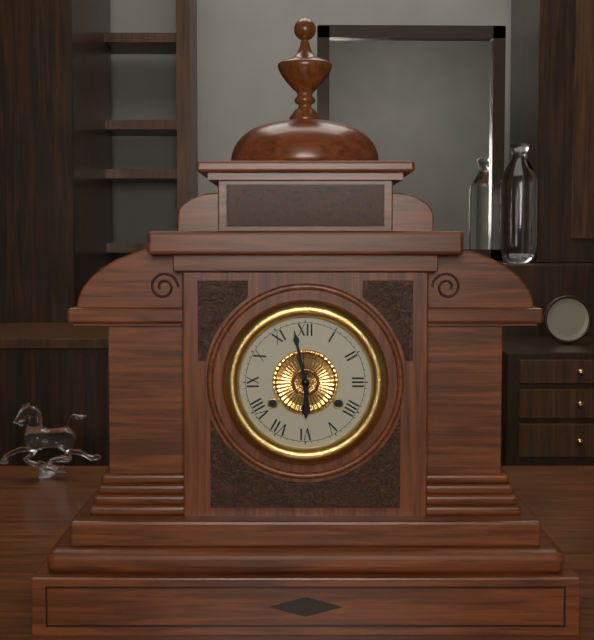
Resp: 5,58
